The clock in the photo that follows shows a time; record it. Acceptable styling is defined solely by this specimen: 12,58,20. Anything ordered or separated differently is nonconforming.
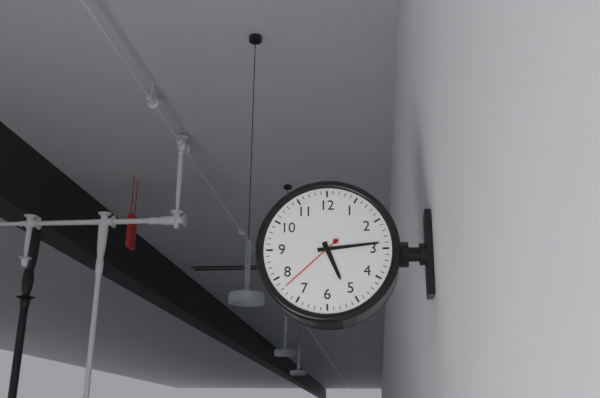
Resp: 5,14,38
